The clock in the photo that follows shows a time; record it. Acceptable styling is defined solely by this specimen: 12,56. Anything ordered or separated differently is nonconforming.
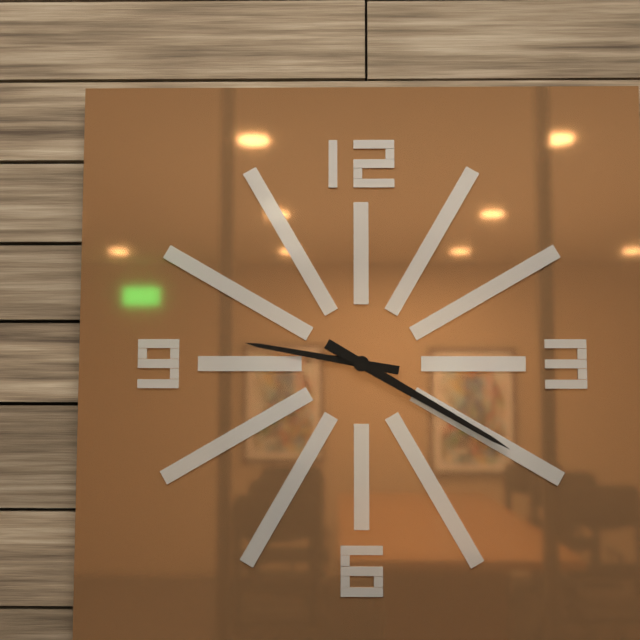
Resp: 9,20
